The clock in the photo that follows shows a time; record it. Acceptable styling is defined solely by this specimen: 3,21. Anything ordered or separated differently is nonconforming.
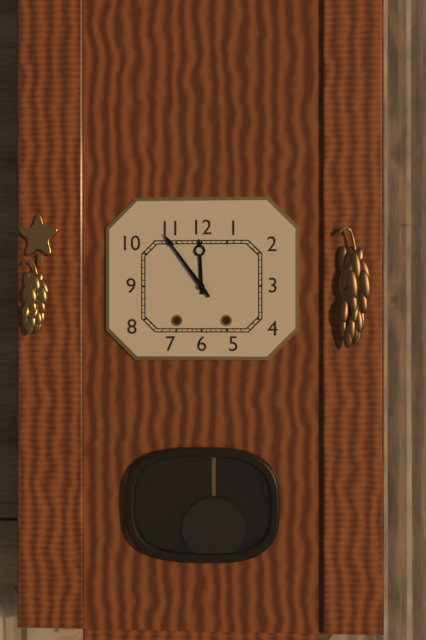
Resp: 11,54
